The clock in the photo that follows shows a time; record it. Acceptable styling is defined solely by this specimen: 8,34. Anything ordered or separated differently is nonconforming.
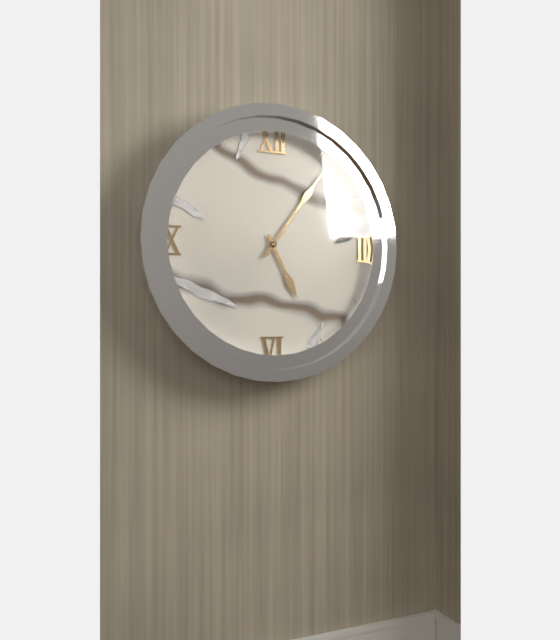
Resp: 5,06
